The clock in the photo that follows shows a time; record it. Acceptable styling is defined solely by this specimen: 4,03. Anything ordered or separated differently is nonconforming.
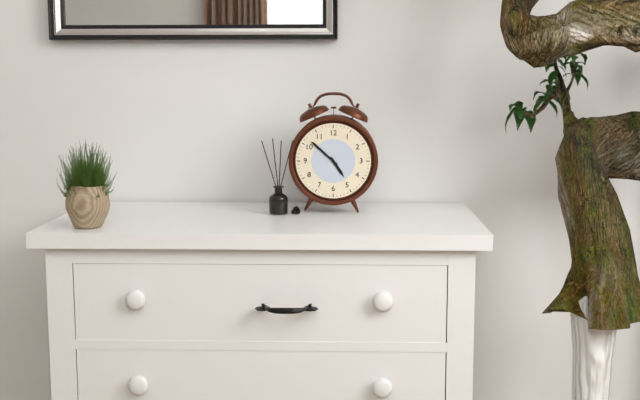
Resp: 4,52
